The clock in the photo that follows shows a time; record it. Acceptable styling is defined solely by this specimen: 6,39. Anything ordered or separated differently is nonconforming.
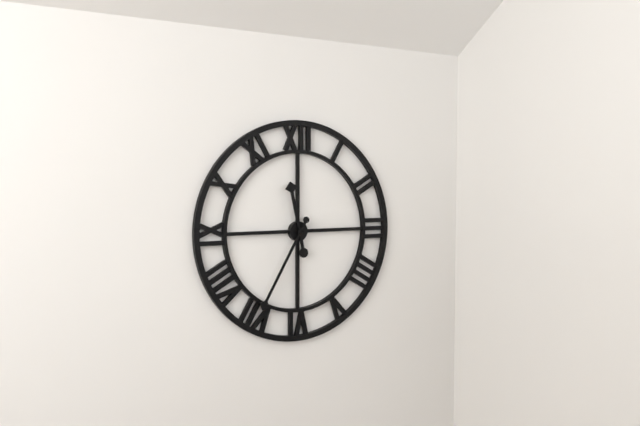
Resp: 11,35
